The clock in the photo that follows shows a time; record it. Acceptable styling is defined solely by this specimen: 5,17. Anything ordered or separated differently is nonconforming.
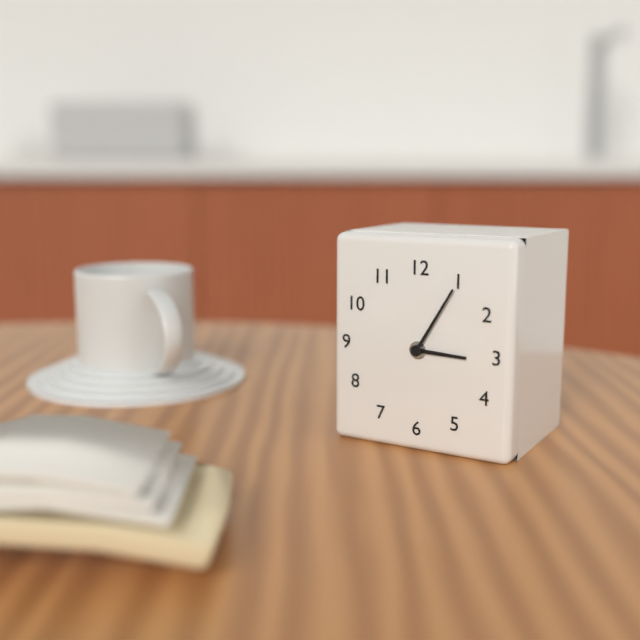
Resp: 3,05
